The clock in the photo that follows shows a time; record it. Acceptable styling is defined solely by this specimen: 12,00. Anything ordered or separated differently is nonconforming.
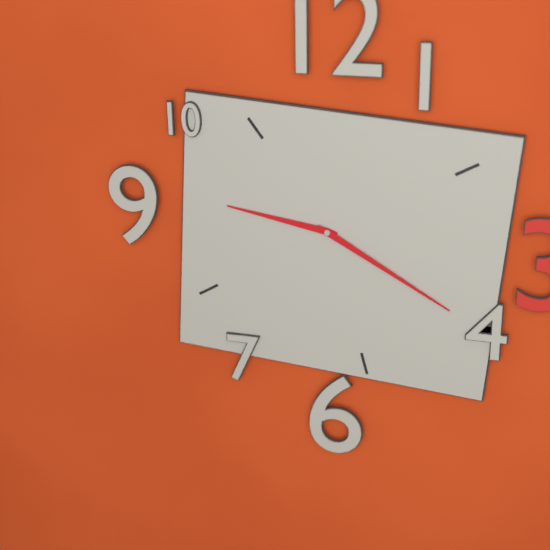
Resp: 9,20
